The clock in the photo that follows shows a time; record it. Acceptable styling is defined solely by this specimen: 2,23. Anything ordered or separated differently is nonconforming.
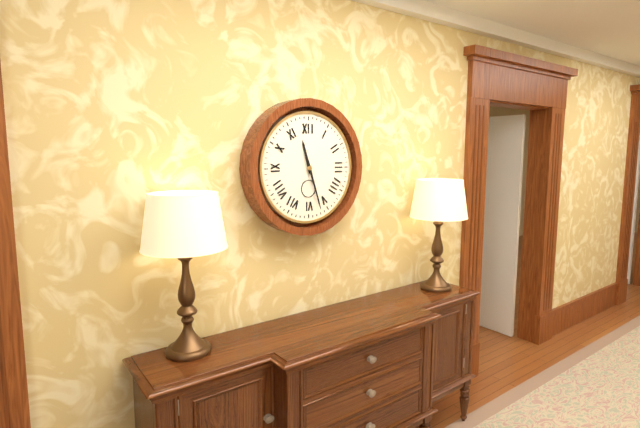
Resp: 11,27
